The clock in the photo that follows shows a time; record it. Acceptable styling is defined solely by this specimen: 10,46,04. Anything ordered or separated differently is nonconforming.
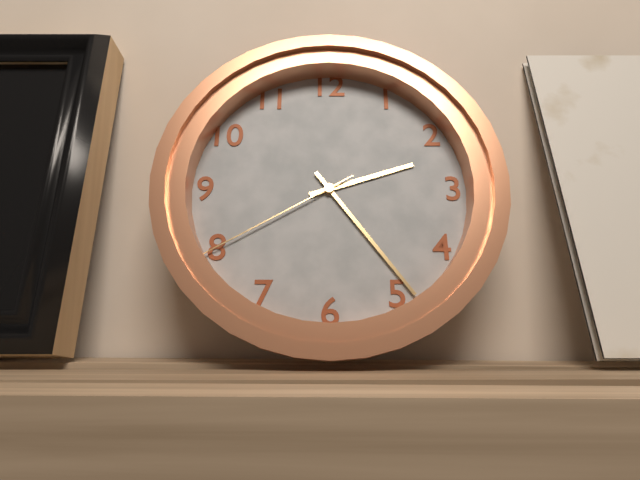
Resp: 2,24,40
